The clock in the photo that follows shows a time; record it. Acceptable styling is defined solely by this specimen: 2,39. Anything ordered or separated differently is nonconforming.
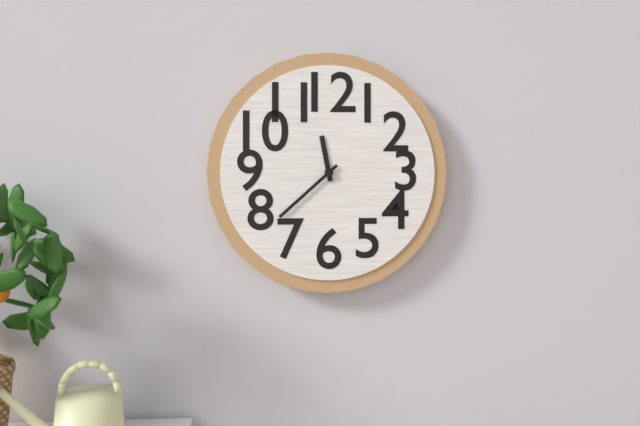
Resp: 11,38
